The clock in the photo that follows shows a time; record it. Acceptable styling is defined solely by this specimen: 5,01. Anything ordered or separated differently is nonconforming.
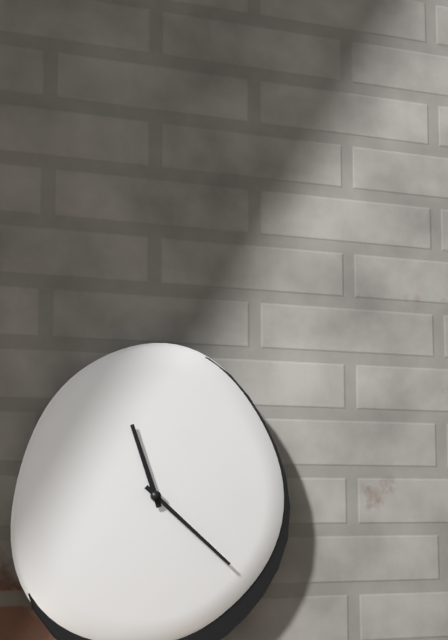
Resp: 11,22
